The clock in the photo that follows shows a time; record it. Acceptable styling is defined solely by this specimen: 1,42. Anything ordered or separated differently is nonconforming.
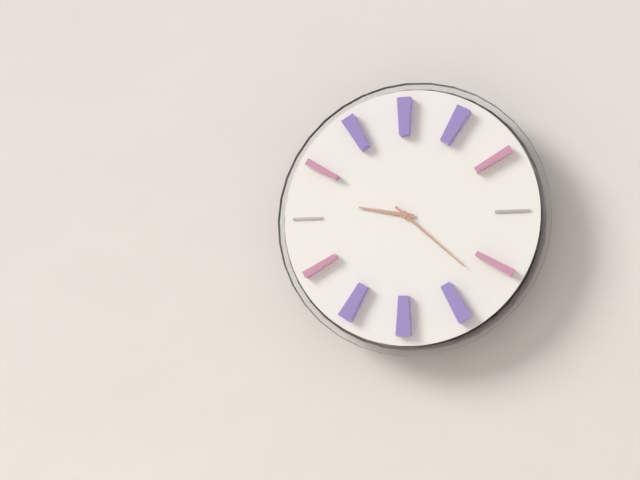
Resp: 9,22
